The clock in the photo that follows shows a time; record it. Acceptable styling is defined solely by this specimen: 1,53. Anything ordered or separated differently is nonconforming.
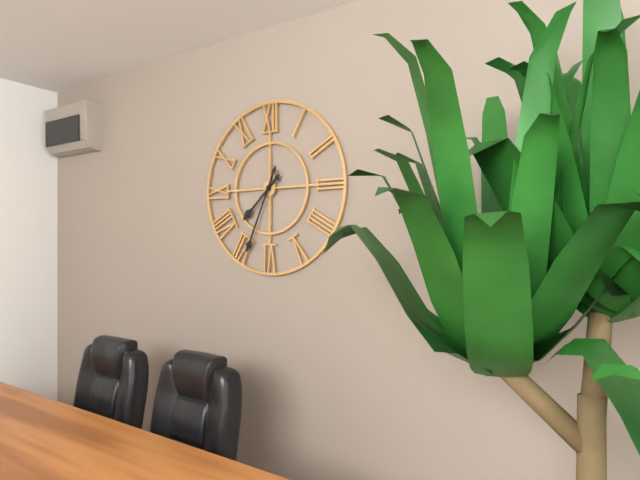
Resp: 7,34
